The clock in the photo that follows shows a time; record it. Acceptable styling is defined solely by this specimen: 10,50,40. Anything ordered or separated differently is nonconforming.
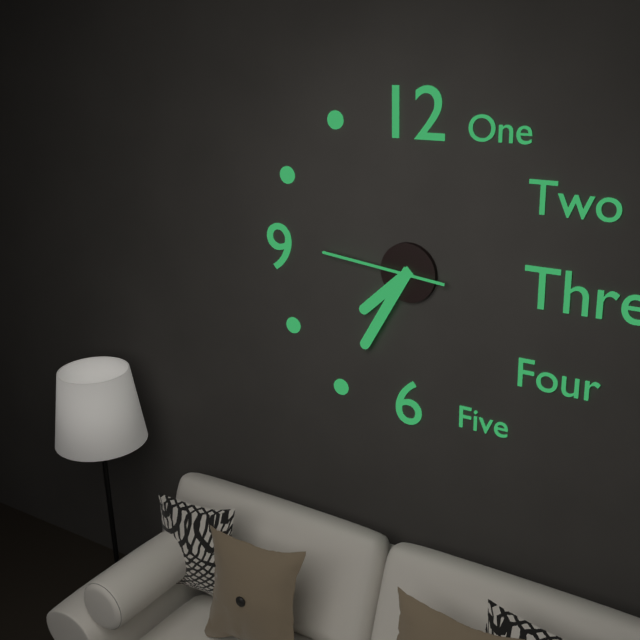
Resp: 7,35,46
